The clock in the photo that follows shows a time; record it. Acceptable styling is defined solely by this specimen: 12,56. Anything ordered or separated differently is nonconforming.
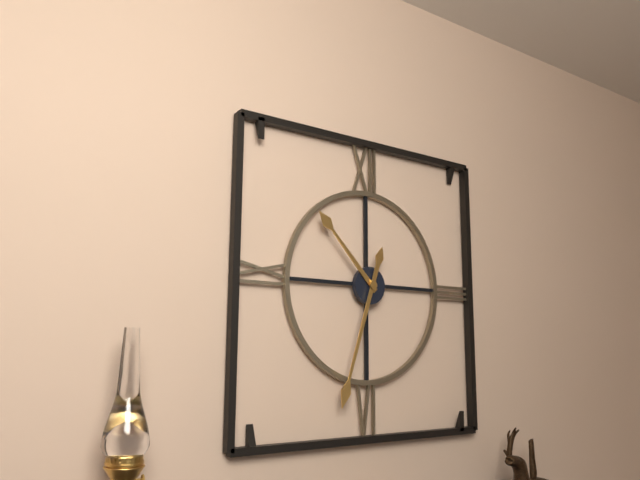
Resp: 10,33
